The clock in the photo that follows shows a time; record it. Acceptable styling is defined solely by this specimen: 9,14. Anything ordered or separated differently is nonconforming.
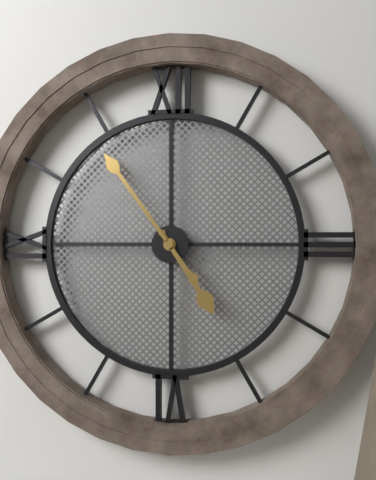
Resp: 4,54
